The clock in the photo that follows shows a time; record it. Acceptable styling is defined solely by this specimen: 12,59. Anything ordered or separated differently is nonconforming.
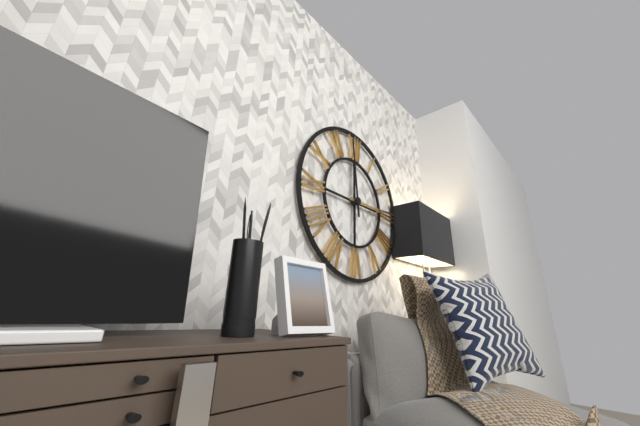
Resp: 2,59
